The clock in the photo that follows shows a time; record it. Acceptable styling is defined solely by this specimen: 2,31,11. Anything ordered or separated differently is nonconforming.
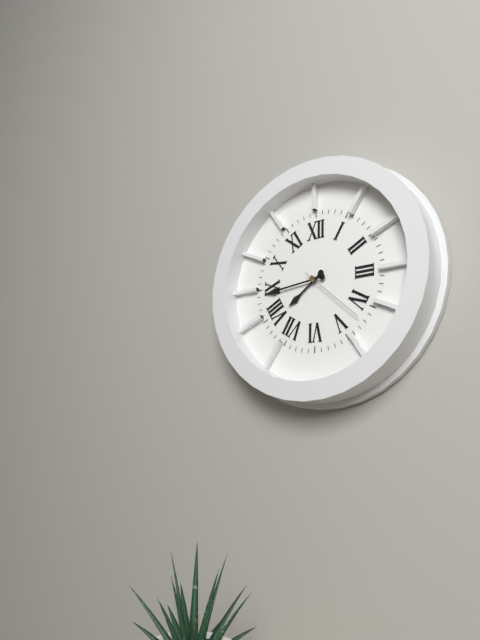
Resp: 7,44,22
